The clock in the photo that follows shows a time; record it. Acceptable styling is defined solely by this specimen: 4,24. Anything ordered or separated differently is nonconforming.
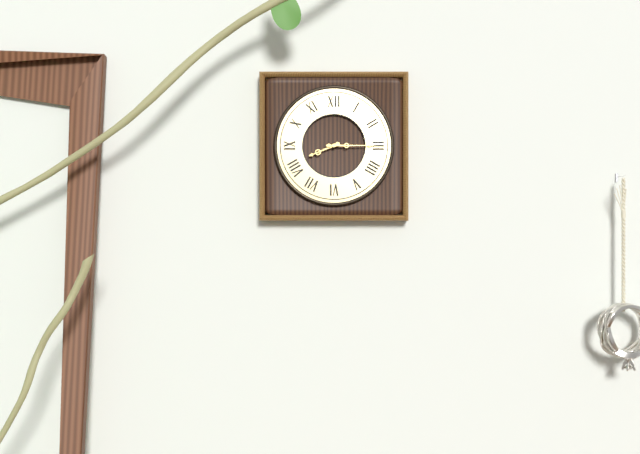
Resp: 8,15
